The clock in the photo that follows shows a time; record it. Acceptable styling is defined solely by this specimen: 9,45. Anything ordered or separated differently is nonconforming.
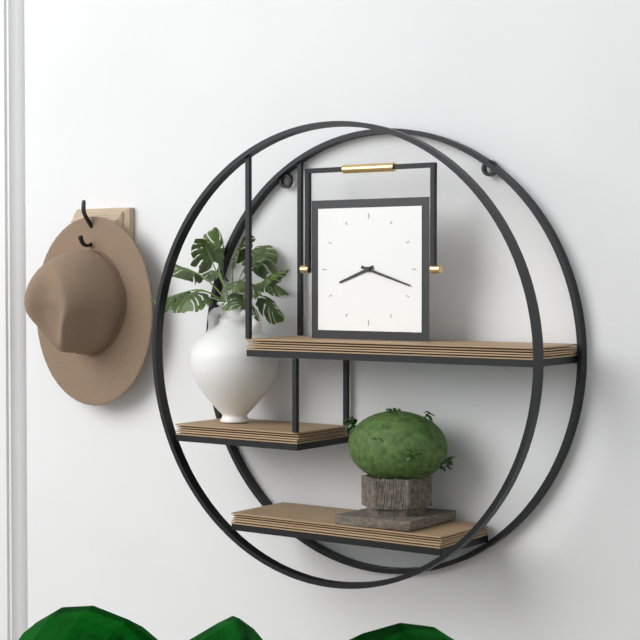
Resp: 8,18
